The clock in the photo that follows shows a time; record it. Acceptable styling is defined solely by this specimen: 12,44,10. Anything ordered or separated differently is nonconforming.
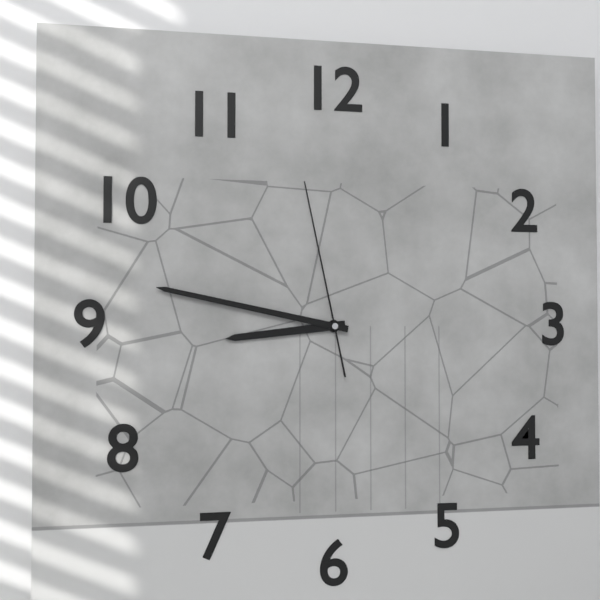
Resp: 8,47,58
